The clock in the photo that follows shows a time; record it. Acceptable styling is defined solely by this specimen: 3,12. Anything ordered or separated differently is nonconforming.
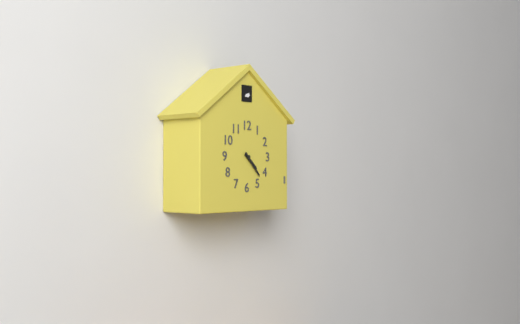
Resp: 4,23
